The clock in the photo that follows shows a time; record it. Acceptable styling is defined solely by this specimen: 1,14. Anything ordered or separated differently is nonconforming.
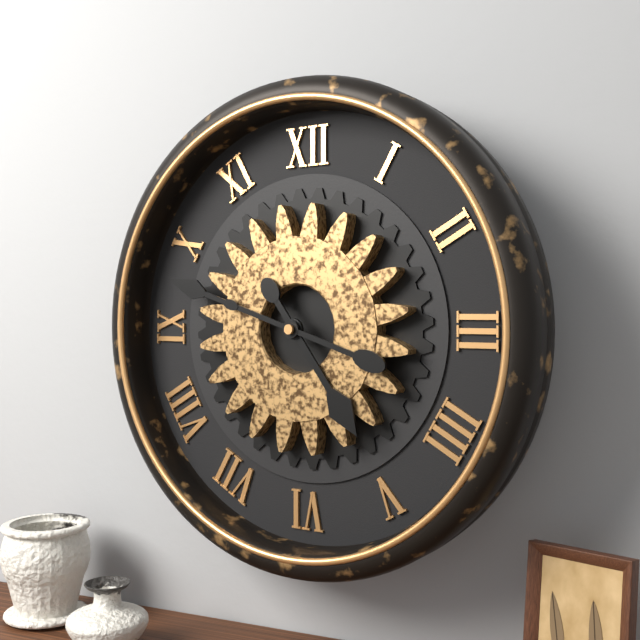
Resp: 4,48
